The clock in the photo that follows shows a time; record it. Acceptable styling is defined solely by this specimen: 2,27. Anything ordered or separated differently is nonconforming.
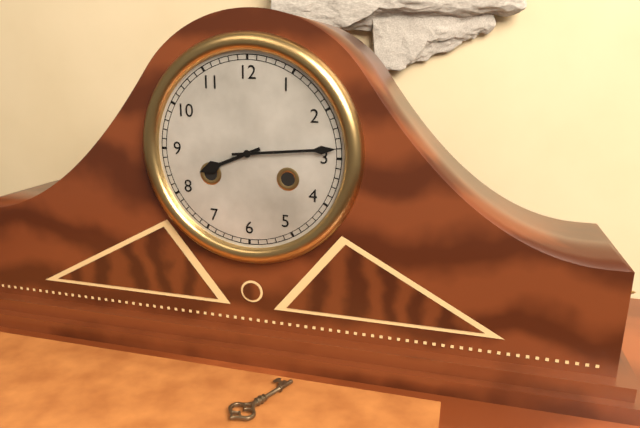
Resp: 8,14
